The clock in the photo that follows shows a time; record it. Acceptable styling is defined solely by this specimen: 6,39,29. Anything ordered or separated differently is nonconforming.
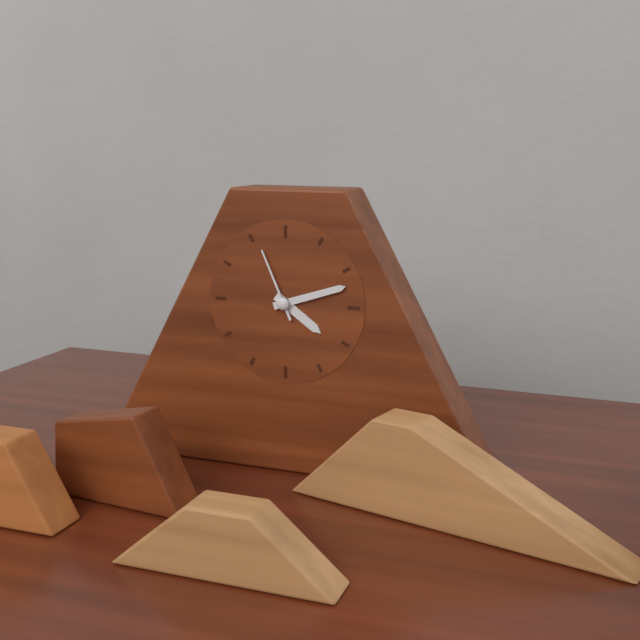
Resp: 4,12,56
